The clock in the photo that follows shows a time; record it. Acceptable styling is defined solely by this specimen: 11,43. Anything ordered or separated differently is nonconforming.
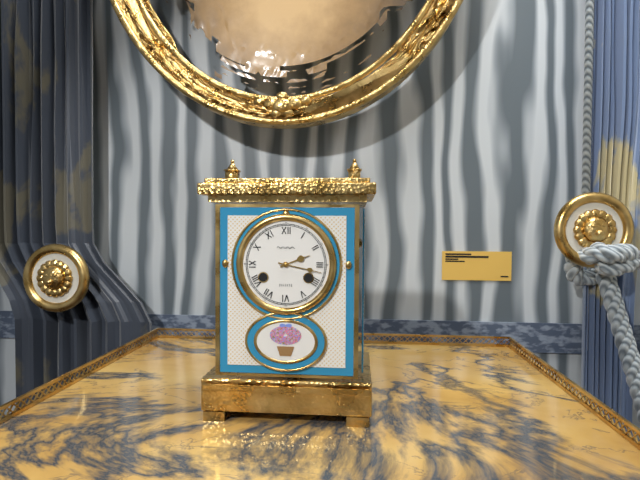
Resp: 2,17
